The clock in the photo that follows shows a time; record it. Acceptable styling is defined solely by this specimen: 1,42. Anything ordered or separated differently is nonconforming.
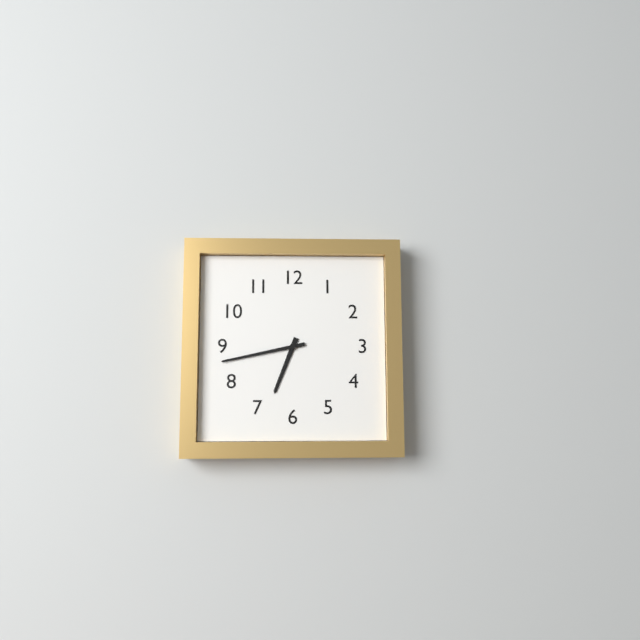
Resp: 6,43
